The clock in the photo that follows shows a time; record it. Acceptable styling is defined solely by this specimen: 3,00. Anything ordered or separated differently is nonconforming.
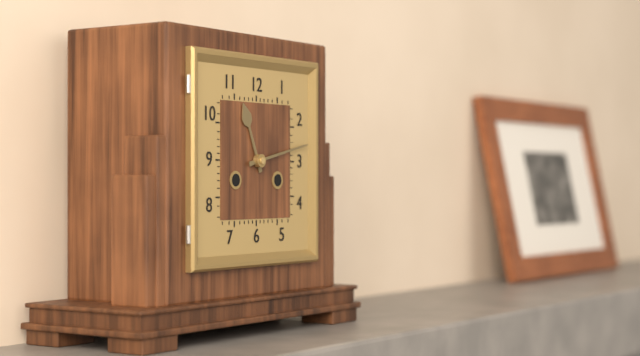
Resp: 11,13
